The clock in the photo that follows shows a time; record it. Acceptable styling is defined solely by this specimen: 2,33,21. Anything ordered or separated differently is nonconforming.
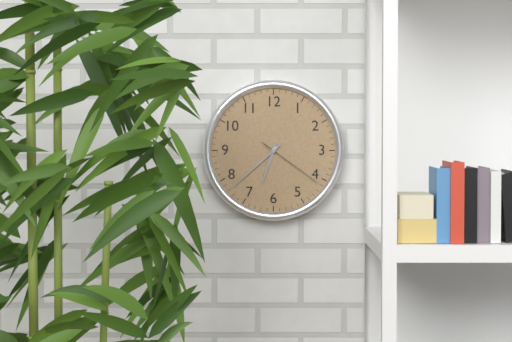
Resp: 6,38,21
